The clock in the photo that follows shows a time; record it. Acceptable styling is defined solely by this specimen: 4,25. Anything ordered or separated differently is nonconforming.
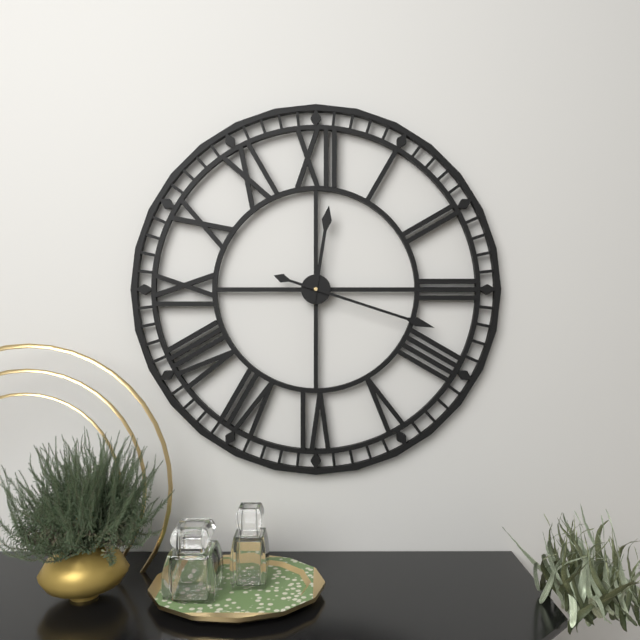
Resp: 12,18
